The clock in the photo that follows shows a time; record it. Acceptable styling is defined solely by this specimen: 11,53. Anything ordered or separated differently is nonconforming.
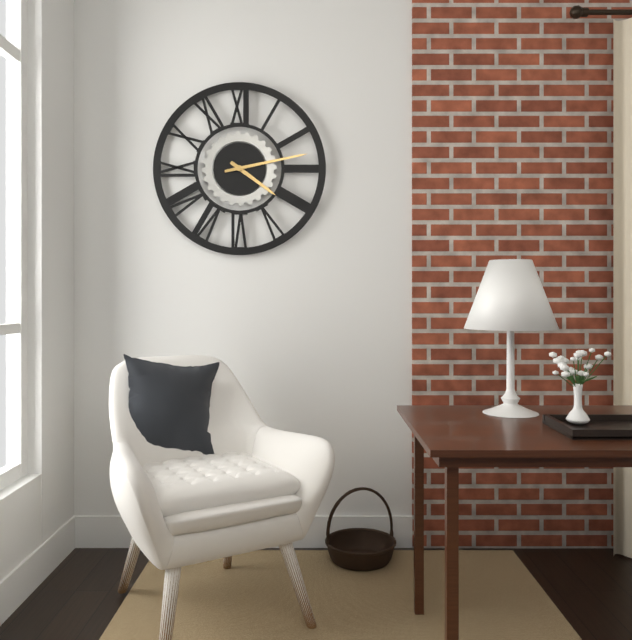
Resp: 4,13
